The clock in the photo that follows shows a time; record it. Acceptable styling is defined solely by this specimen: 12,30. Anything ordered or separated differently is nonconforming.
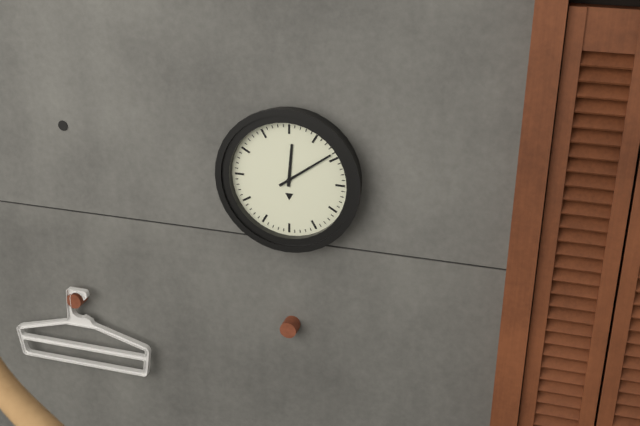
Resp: 12,09
